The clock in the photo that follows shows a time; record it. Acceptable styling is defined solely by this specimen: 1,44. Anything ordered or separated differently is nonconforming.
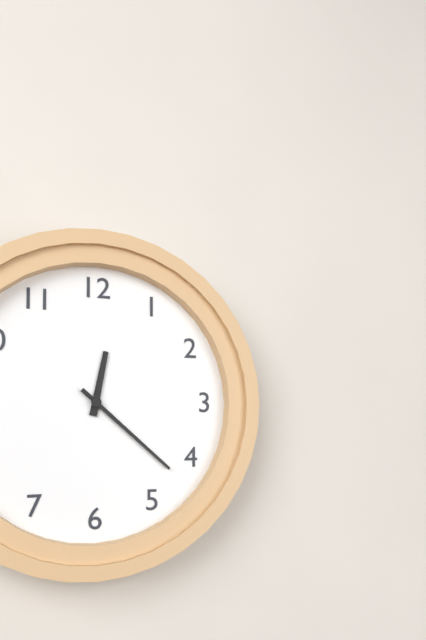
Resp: 12,22
